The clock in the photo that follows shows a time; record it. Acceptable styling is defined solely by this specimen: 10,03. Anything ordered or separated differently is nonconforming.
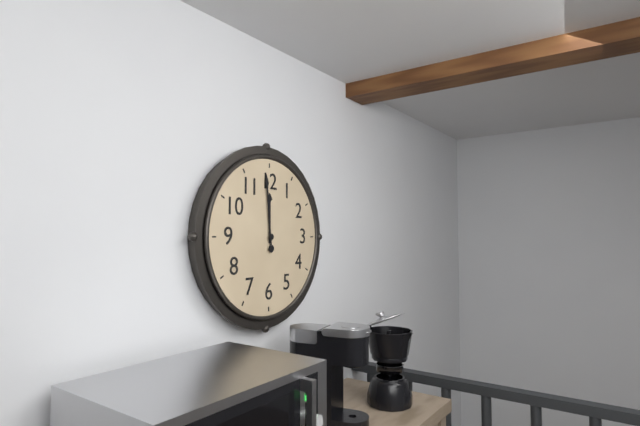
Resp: 11,59
